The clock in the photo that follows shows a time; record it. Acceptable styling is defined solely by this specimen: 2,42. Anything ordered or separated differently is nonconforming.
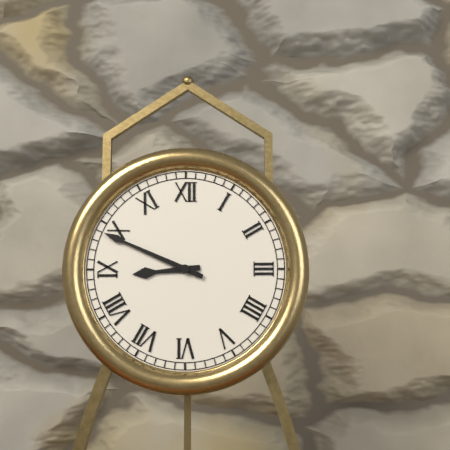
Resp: 8,49
